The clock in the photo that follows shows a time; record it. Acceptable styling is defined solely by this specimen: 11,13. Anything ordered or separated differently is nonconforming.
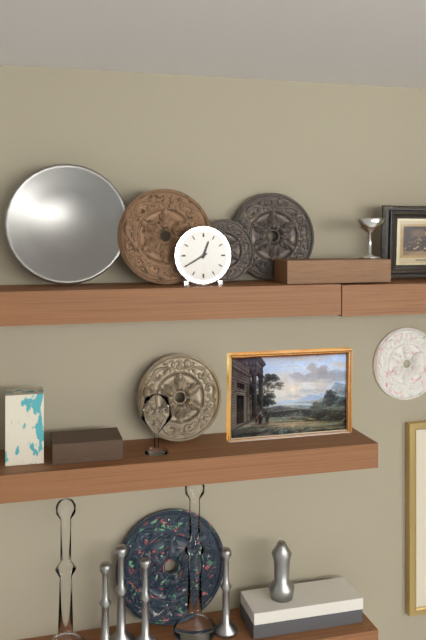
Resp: 12,40
